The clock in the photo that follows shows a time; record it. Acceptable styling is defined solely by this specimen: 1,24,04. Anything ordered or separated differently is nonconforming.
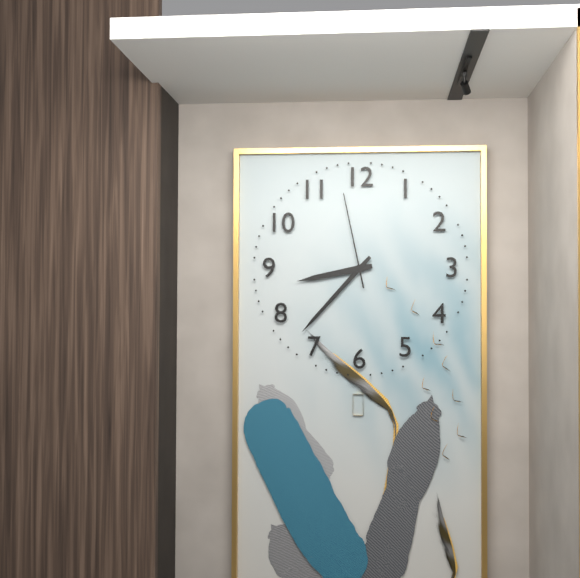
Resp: 8,37,58
